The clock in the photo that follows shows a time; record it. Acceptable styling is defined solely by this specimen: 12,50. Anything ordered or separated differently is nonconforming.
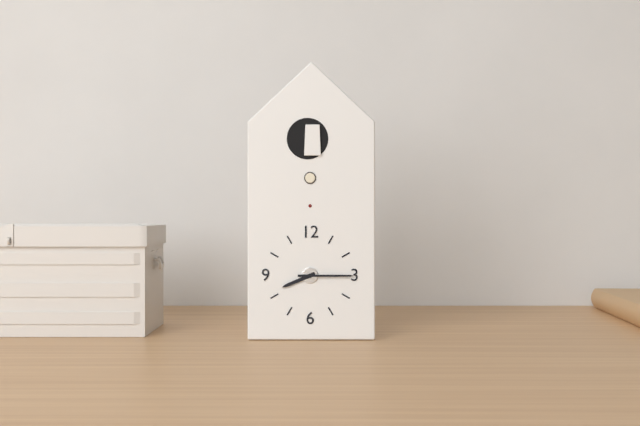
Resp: 8,15
